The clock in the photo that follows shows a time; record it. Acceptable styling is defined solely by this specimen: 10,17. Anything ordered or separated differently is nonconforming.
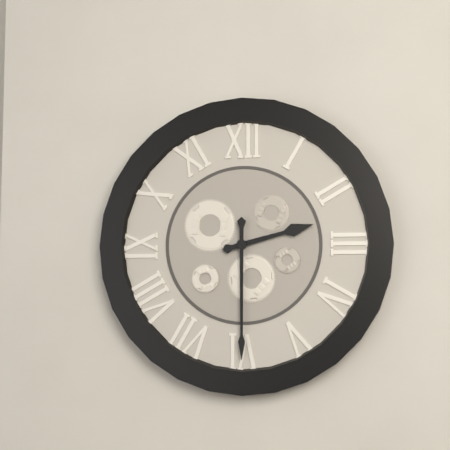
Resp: 2,30
